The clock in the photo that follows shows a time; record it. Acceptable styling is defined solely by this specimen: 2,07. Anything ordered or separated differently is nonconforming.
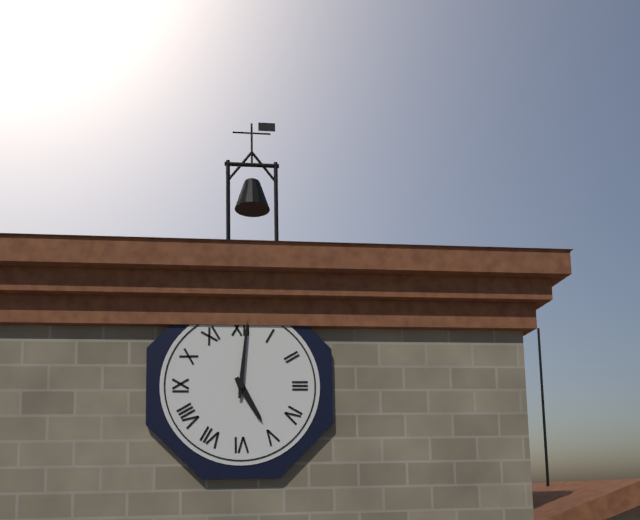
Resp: 5,01
